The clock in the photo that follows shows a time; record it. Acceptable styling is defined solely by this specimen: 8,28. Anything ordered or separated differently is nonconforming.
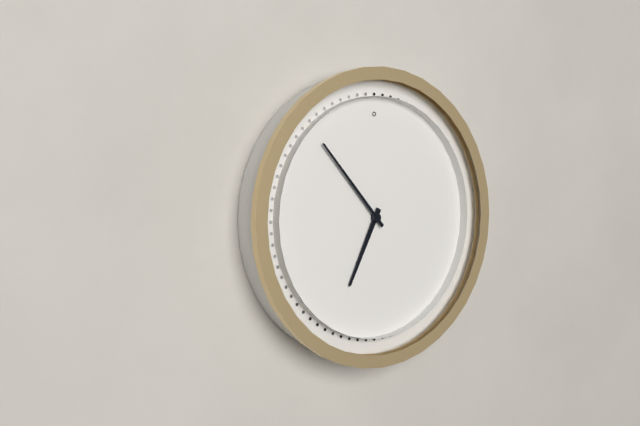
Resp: 6,53
